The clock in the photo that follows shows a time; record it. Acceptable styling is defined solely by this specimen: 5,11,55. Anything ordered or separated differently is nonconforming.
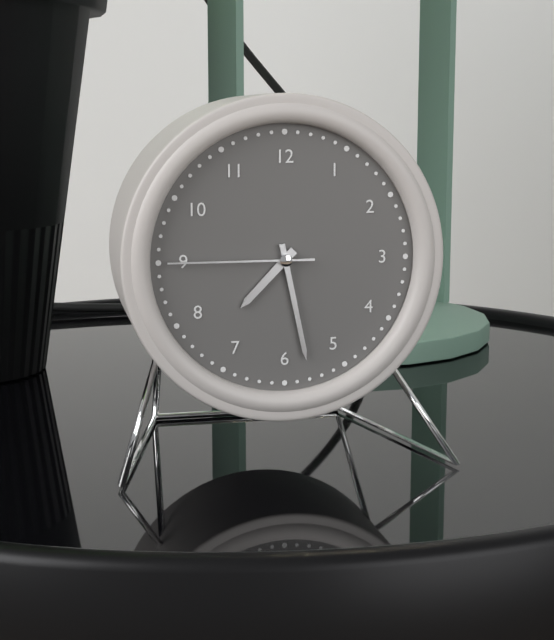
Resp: 7,28,45
